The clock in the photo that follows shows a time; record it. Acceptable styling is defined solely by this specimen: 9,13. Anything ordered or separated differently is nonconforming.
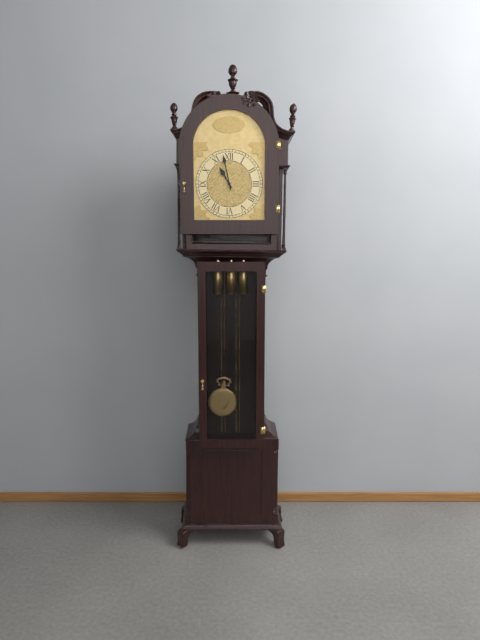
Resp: 10,58
